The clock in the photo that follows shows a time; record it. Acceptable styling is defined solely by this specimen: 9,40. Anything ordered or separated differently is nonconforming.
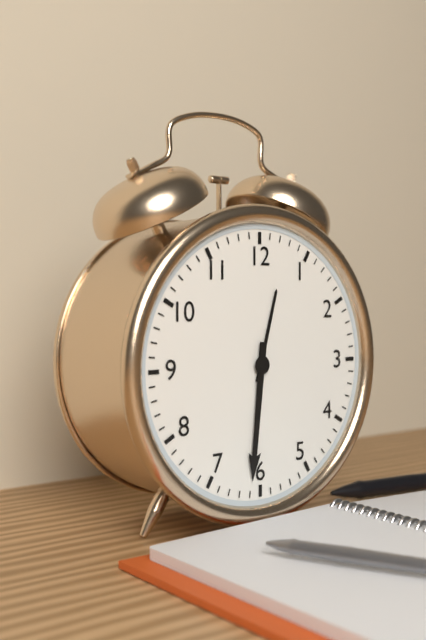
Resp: 12,31
